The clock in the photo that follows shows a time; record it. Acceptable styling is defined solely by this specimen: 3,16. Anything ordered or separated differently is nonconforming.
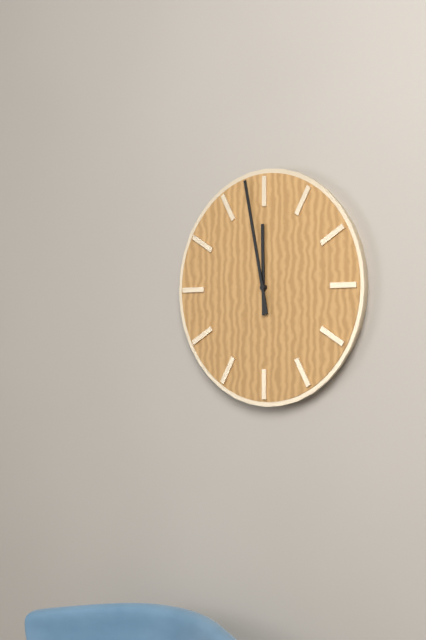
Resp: 11,58
